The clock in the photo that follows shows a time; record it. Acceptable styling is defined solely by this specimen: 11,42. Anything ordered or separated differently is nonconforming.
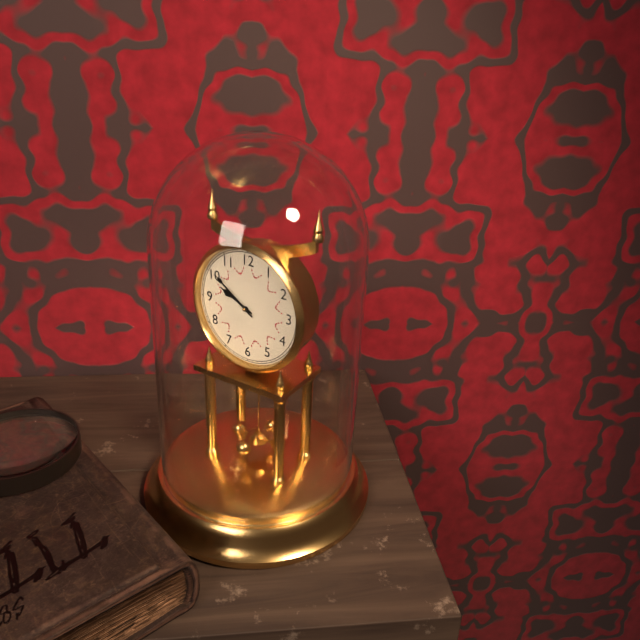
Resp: 9,51
